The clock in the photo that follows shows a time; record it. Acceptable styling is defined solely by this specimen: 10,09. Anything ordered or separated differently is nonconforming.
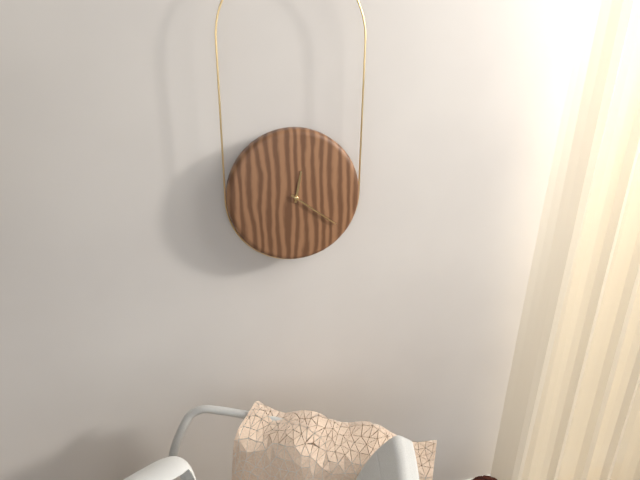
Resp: 12,21
